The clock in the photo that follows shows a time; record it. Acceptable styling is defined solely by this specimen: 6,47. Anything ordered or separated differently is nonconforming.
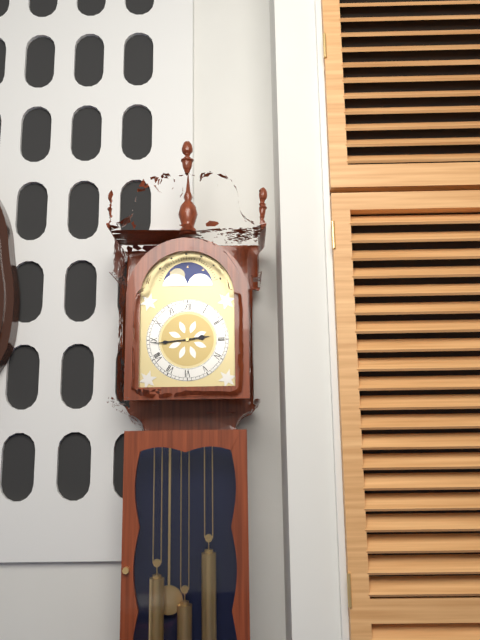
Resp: 2,44
